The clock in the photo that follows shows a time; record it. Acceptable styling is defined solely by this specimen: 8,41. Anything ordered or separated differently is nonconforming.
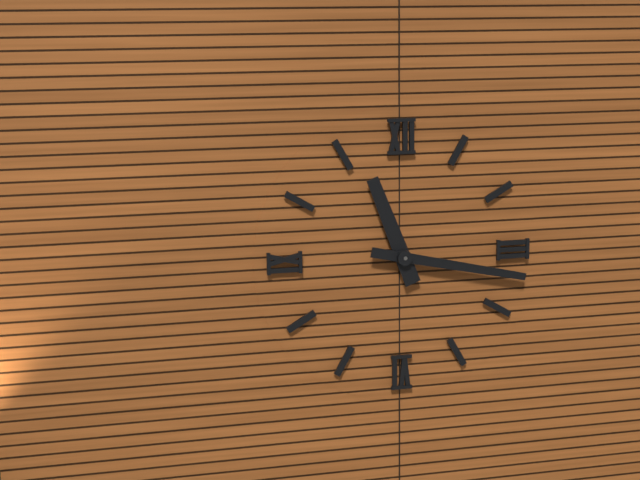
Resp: 11,17
